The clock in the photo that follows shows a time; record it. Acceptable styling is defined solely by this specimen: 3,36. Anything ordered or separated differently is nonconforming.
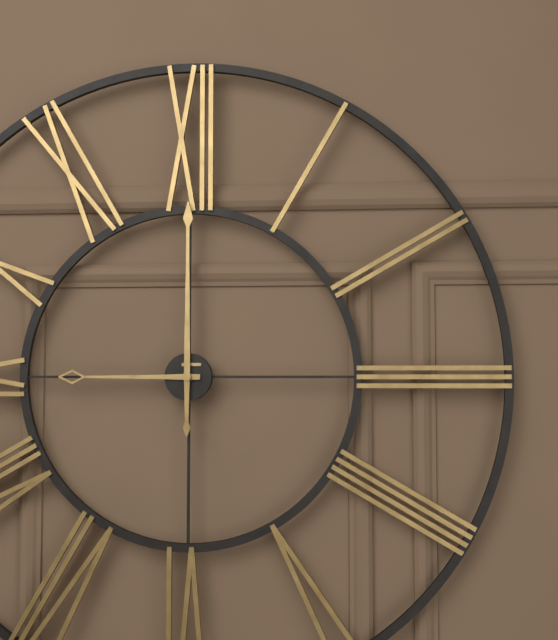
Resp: 9,00
